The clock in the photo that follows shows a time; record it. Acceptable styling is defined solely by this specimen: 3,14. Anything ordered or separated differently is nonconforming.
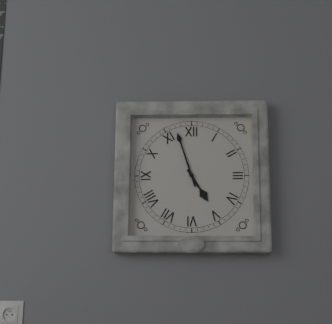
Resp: 4,57
